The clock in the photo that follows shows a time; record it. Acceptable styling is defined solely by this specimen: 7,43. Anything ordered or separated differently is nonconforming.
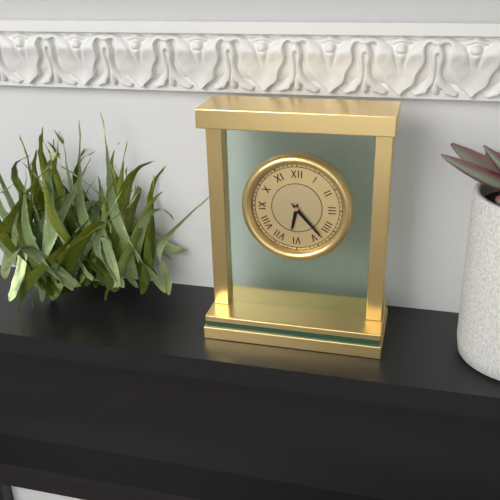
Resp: 6,23
